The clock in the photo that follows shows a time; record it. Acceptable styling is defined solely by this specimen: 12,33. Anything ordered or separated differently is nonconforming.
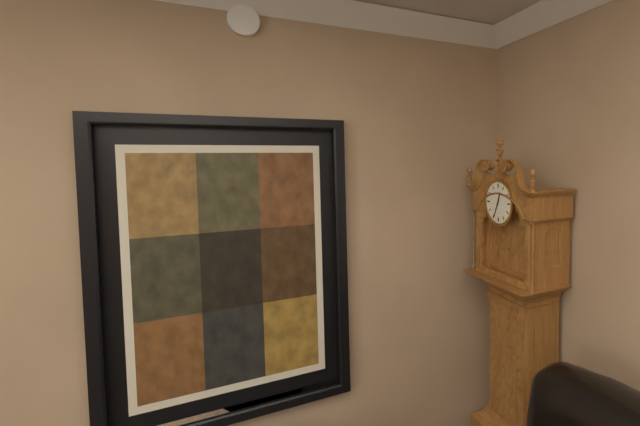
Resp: 12,34
